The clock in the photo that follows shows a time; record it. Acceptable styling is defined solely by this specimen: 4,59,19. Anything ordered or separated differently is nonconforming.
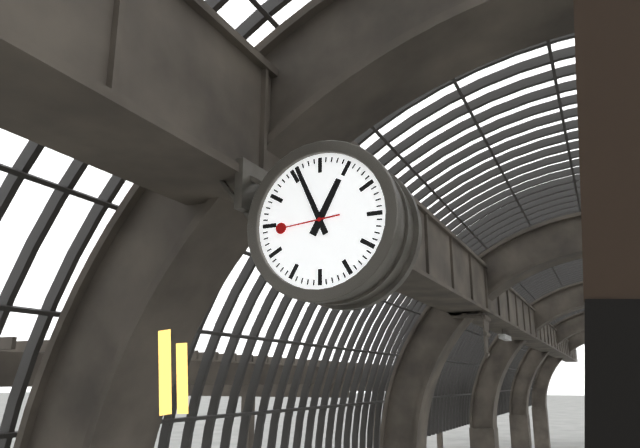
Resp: 12,56,44
